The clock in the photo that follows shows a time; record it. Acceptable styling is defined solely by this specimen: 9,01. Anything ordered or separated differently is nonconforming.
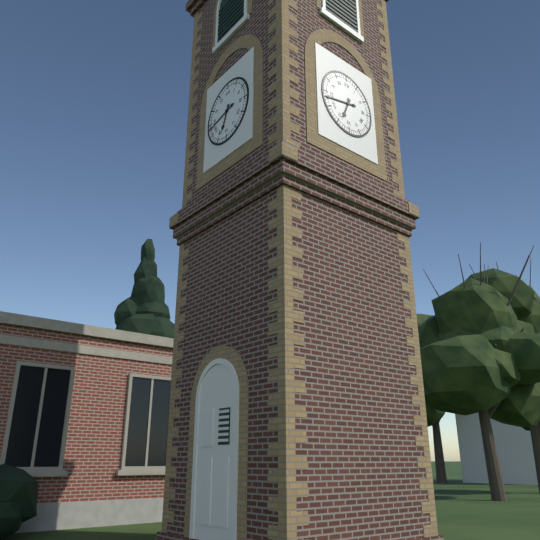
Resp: 6,43
